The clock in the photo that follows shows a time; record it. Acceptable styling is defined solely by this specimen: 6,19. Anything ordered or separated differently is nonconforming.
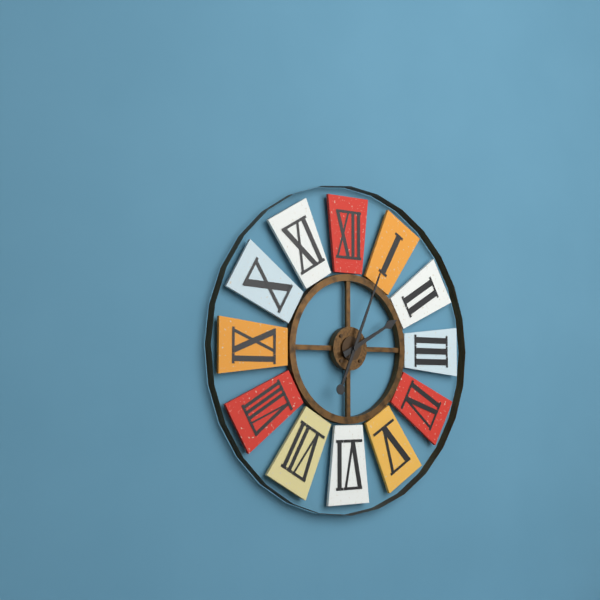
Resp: 2,04
